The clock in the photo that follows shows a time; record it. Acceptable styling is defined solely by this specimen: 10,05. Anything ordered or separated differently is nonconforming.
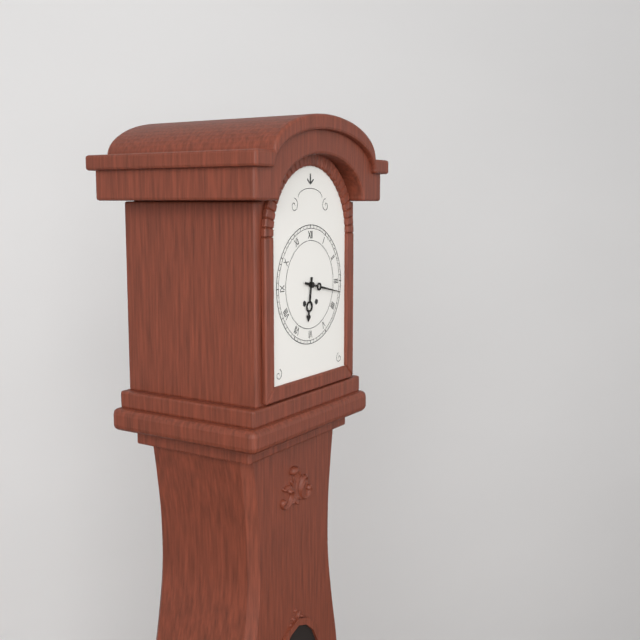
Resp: 6,17
